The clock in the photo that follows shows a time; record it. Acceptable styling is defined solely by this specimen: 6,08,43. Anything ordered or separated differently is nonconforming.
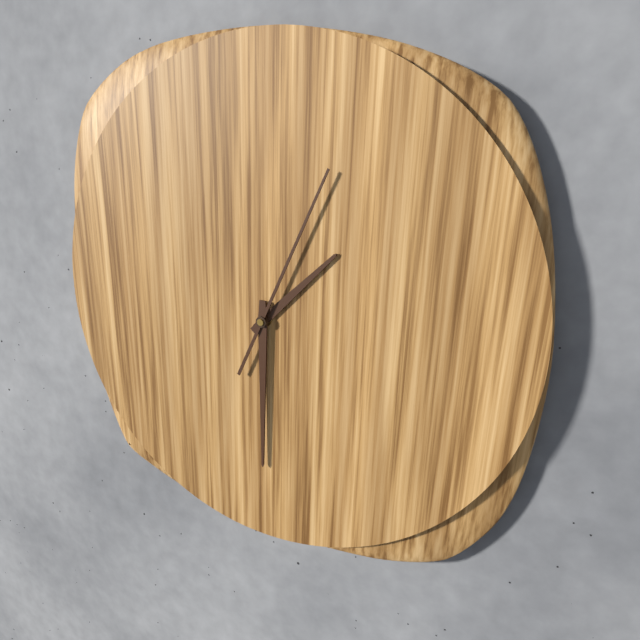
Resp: 1,30,04
